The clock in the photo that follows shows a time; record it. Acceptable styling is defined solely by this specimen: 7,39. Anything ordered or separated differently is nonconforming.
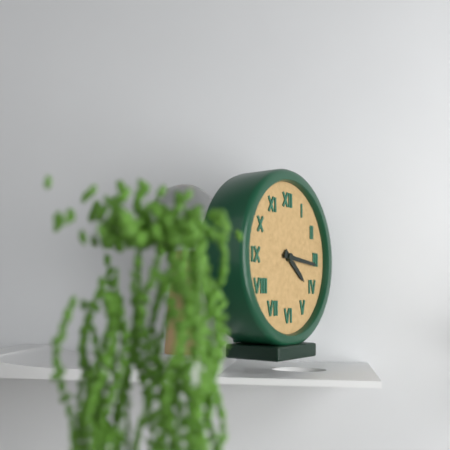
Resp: 4,16
